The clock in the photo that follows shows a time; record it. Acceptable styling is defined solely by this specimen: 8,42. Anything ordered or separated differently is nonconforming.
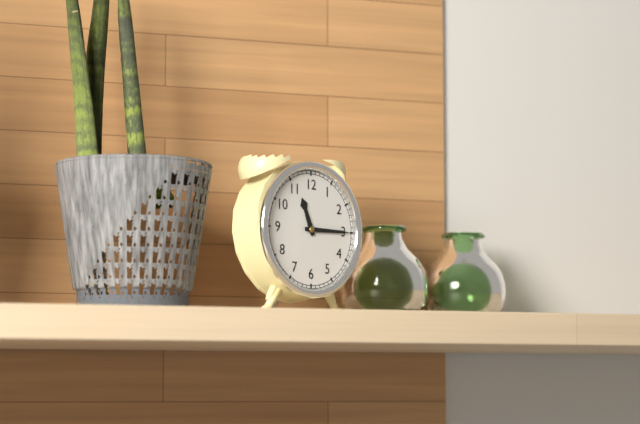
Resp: 11,15
